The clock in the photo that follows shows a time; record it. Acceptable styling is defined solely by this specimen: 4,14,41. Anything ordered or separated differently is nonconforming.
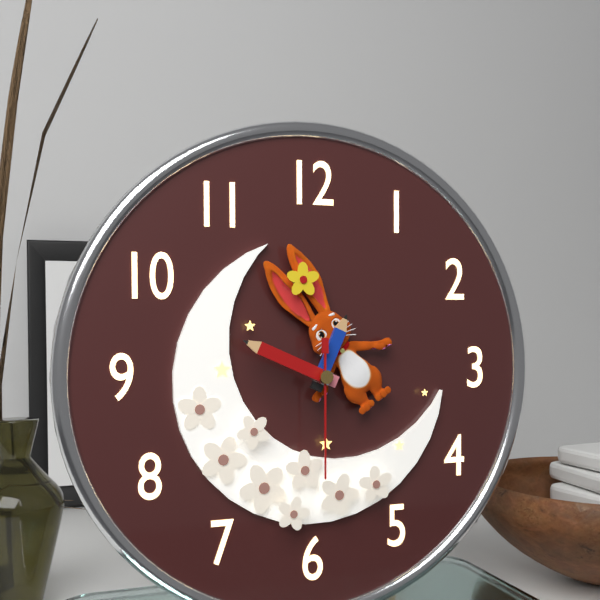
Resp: 12,49,30
